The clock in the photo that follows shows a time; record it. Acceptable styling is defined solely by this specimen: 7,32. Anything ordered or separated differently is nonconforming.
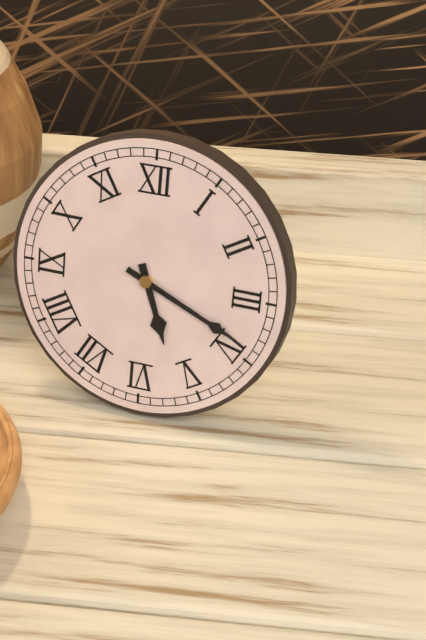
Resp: 5,19
